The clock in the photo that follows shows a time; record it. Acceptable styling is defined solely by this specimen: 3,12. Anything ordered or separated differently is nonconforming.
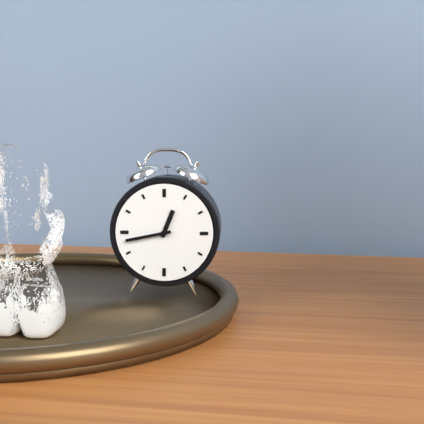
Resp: 12,43
